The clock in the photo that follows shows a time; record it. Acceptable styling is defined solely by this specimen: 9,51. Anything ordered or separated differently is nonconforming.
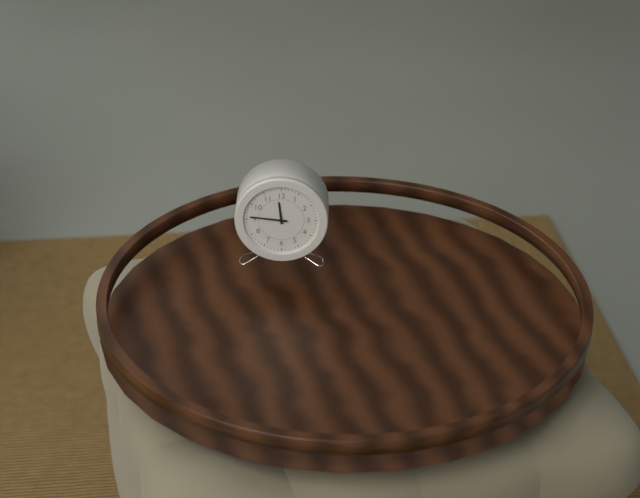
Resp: 11,46
